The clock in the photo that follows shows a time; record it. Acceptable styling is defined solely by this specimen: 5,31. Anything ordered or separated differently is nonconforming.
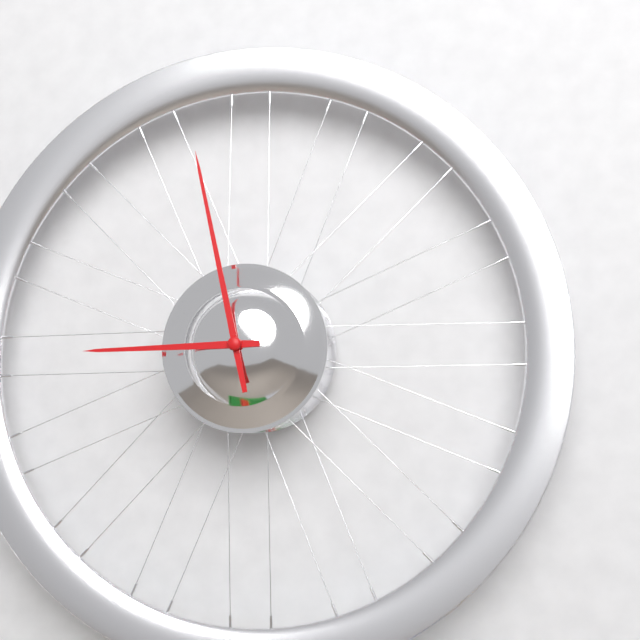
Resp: 8,58
